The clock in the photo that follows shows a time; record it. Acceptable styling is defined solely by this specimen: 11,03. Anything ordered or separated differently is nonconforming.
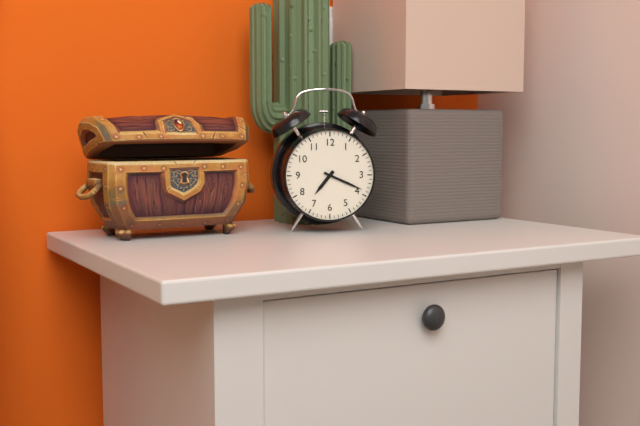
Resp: 7,19
